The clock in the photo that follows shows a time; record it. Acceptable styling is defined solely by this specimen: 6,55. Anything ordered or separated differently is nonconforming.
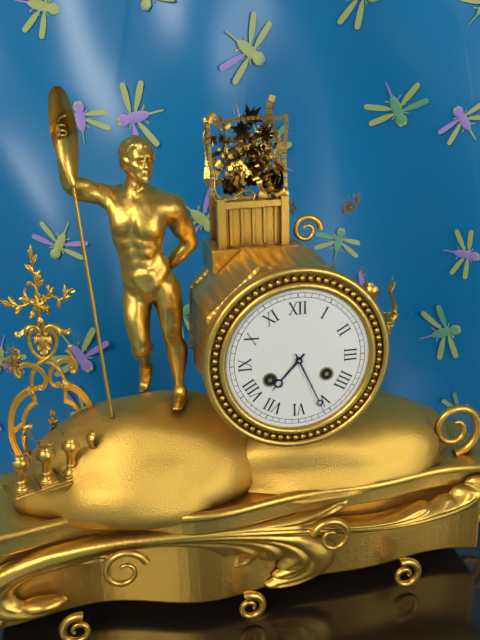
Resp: 7,26
